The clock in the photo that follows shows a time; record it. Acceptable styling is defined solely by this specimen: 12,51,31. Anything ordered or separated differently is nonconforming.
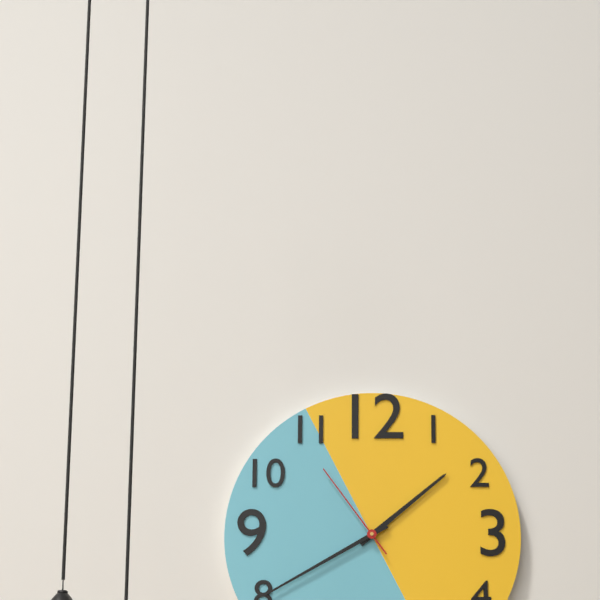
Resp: 1,40,54
